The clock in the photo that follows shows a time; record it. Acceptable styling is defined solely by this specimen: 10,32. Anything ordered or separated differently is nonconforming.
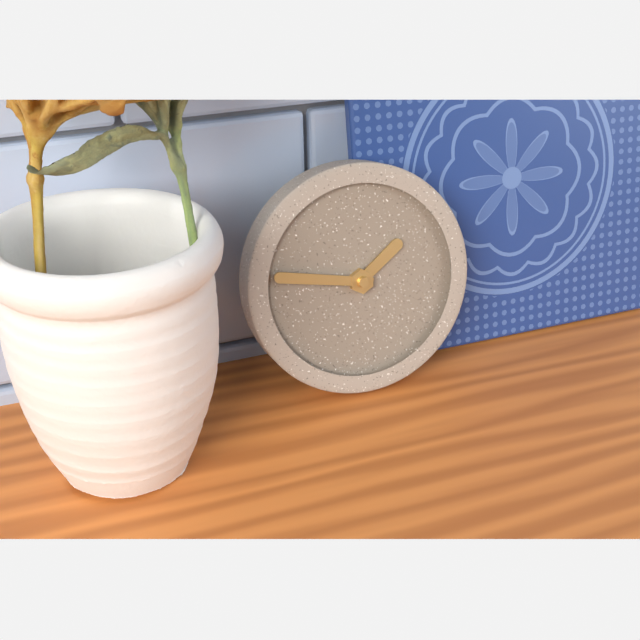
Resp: 1,47
